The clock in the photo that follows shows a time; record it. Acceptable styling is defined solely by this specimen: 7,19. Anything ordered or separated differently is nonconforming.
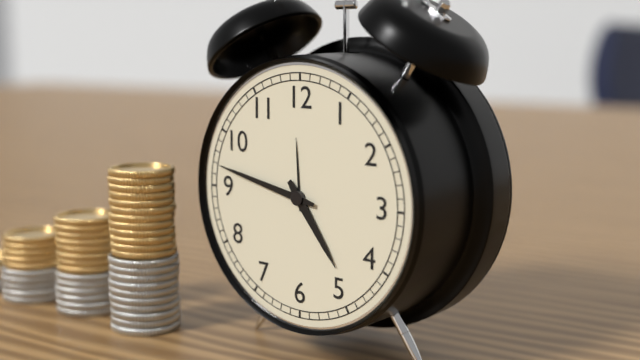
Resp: 4,47
